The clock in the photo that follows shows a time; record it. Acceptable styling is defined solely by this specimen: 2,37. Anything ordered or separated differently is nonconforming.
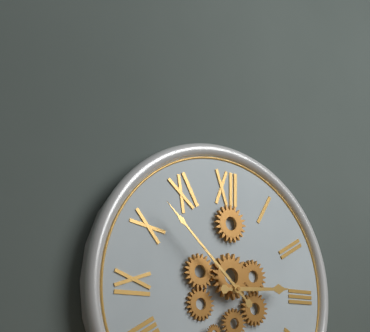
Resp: 2,52
